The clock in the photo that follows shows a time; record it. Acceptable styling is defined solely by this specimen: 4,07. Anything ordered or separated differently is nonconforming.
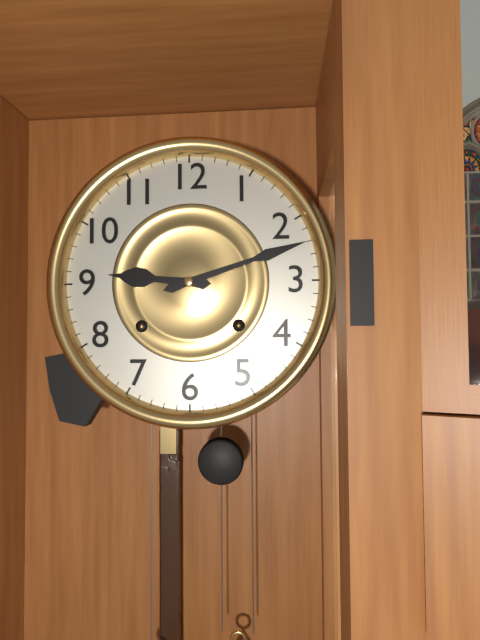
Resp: 9,12
